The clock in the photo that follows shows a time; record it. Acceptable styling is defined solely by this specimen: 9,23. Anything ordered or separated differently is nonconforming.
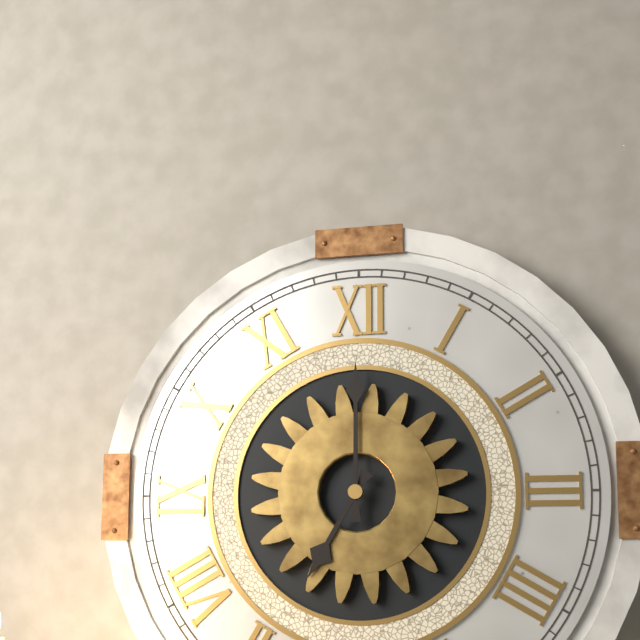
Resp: 7,00
